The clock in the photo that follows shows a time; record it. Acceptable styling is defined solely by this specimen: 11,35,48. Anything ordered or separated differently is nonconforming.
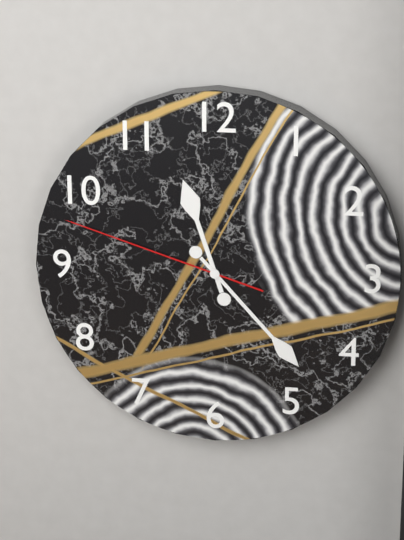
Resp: 11,23,48
